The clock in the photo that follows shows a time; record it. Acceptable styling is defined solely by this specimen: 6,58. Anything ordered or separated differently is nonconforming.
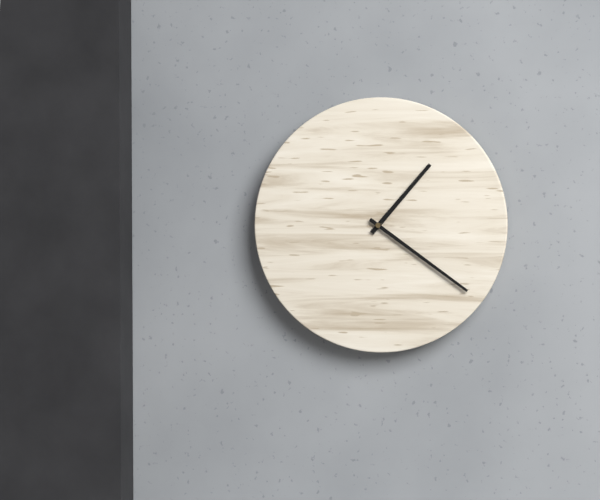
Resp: 1,21
